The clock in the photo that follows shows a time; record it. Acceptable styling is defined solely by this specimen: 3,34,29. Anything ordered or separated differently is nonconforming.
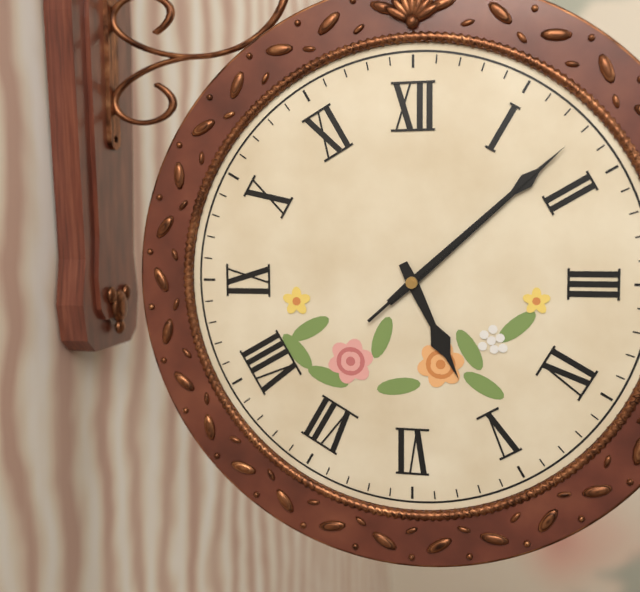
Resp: 5,08,08
